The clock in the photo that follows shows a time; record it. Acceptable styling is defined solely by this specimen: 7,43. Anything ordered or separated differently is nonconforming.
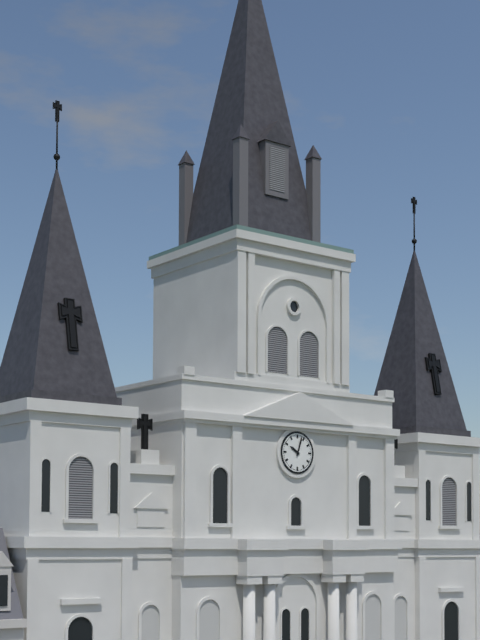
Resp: 10,03
